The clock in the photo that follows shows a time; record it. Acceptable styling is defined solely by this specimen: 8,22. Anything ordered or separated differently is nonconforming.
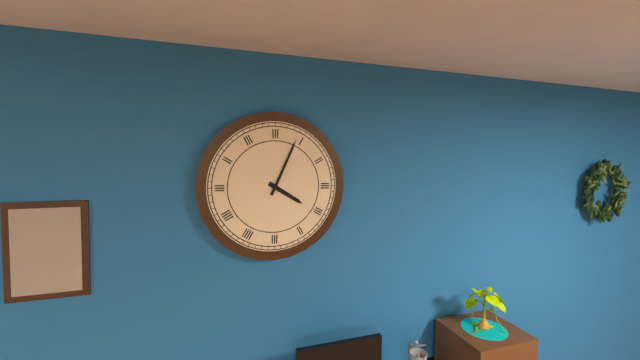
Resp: 4,04
